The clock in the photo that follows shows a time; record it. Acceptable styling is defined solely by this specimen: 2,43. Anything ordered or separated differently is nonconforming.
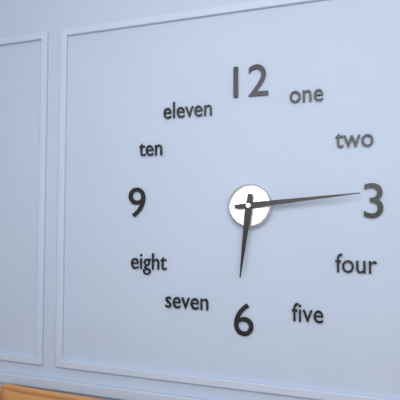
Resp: 6,14
